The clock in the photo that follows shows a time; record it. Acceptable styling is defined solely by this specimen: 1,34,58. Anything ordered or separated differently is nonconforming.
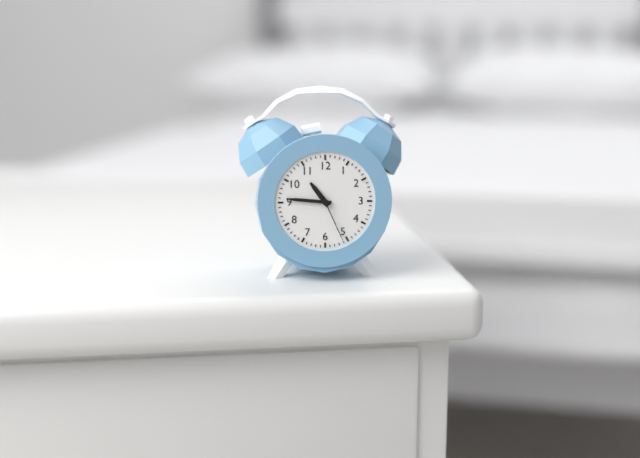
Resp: 10,46,26
